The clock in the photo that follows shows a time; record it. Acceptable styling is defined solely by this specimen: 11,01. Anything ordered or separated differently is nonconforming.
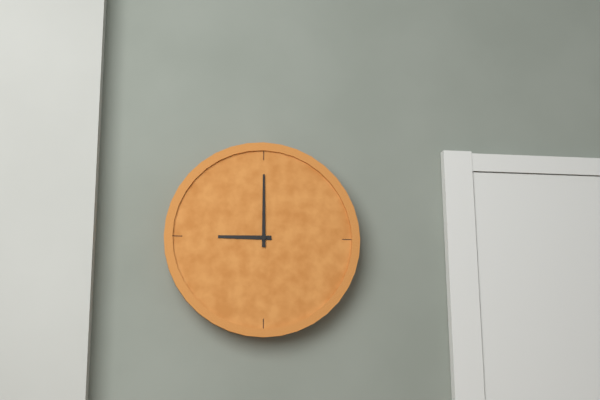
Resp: 9,00
